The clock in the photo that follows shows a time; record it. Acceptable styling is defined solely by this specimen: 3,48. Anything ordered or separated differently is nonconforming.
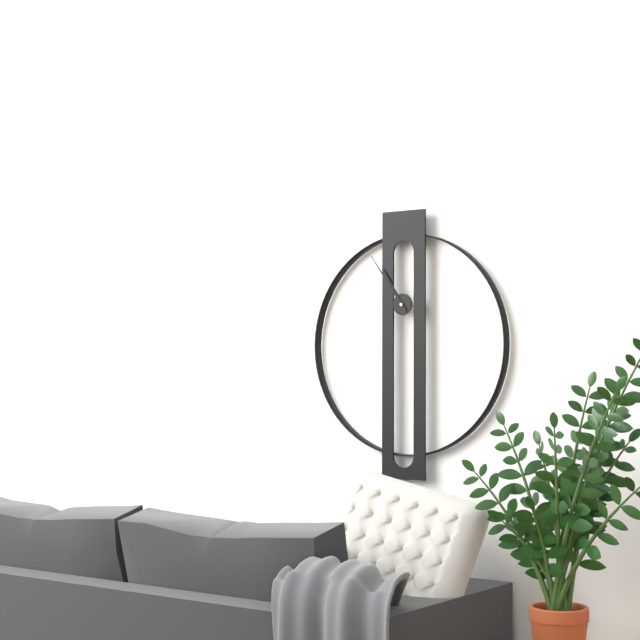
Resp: 10,54
